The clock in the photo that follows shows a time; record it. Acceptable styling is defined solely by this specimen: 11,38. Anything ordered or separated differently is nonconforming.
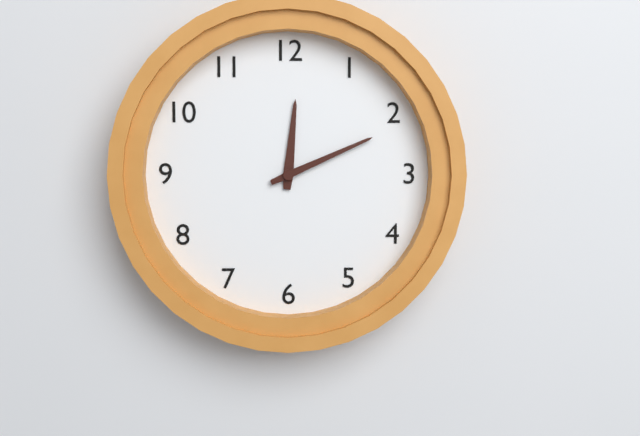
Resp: 12,11
